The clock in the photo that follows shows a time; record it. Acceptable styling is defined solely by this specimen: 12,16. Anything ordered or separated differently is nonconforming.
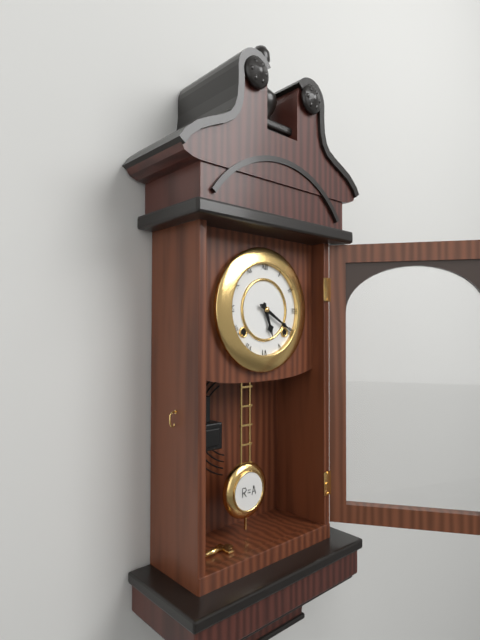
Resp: 5,20
